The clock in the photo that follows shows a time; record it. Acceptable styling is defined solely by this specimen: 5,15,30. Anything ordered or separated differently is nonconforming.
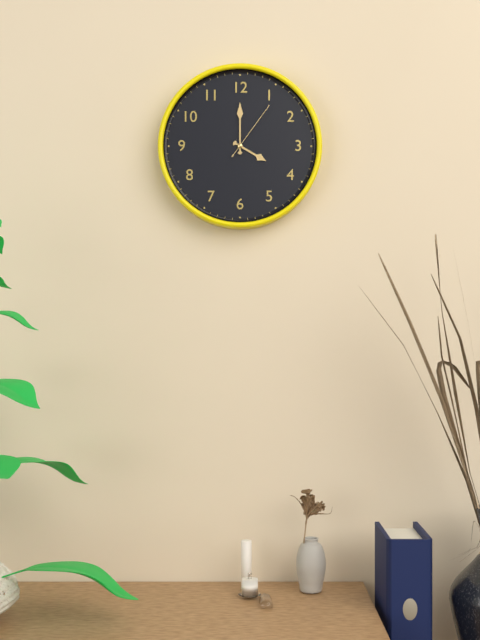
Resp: 4,00,06
